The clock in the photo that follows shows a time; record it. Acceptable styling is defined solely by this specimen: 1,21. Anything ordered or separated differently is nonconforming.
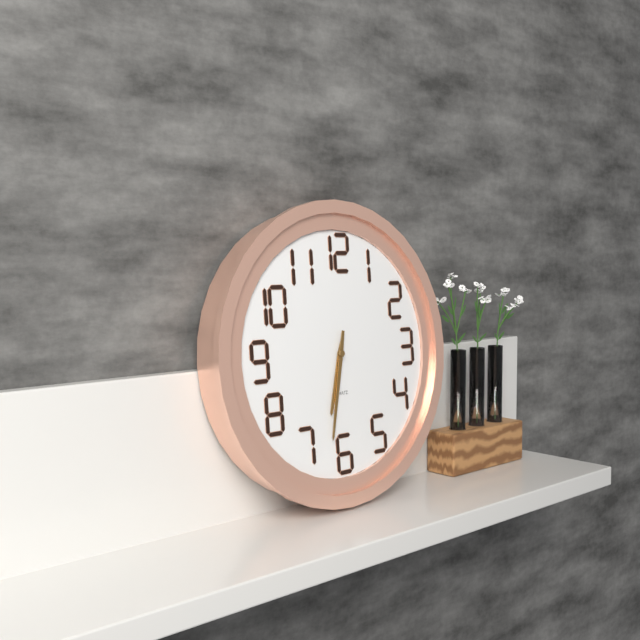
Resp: 6,32
